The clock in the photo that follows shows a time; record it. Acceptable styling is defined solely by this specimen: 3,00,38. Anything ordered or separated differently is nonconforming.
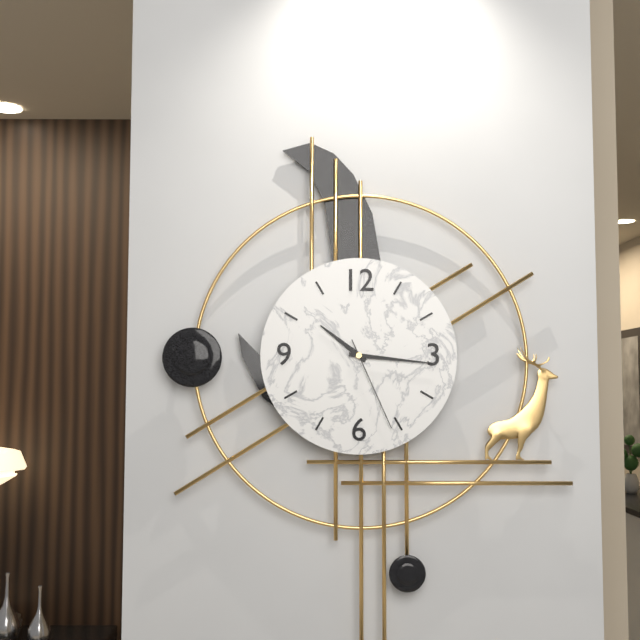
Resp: 10,16,26
